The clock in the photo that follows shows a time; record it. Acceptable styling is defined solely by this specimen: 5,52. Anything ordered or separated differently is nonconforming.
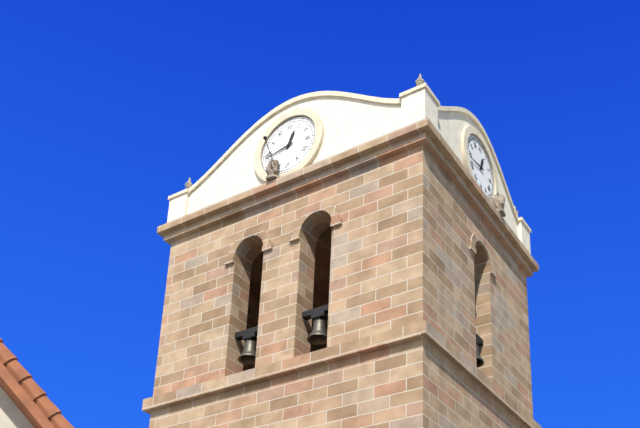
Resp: 12,43
